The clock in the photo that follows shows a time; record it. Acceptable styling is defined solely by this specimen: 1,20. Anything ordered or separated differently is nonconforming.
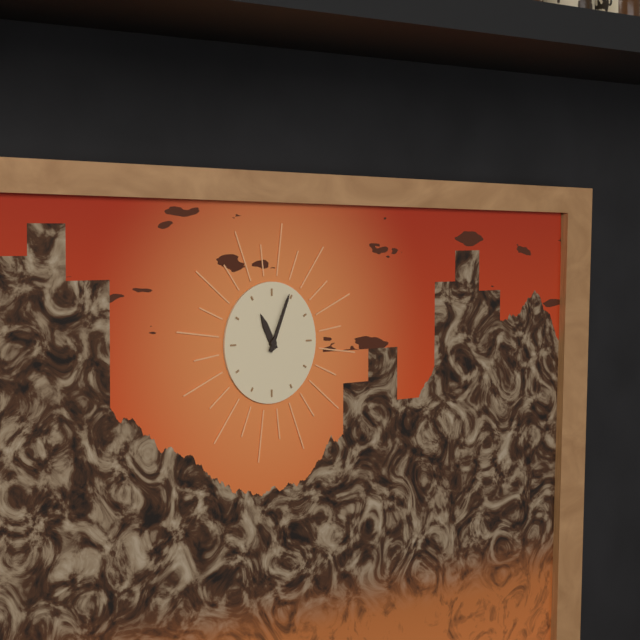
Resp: 11,04
